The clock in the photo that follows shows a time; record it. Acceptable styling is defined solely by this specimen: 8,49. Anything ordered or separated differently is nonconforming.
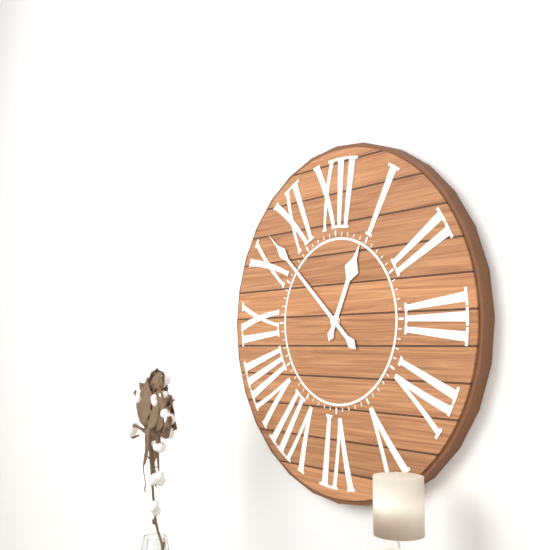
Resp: 12,52
